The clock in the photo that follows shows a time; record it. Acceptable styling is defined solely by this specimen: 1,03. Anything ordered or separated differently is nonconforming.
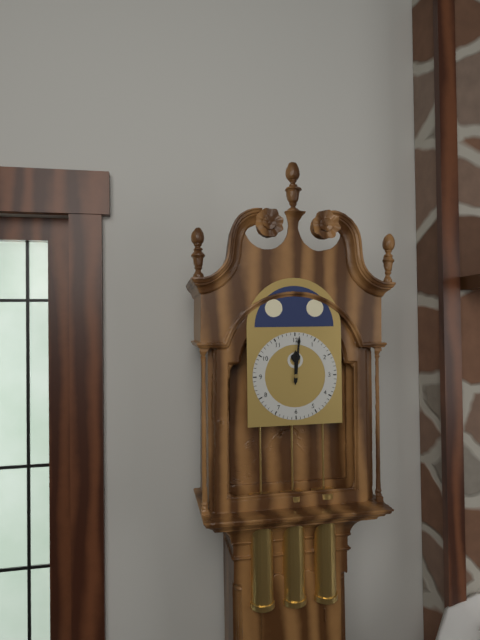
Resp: 12,01
